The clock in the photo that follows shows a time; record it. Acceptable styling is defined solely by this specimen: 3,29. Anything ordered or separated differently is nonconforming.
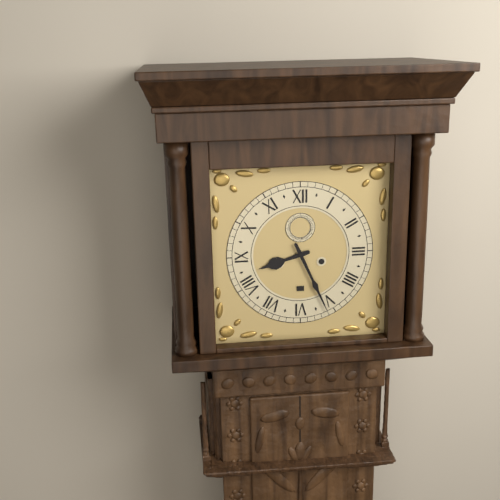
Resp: 8,26
